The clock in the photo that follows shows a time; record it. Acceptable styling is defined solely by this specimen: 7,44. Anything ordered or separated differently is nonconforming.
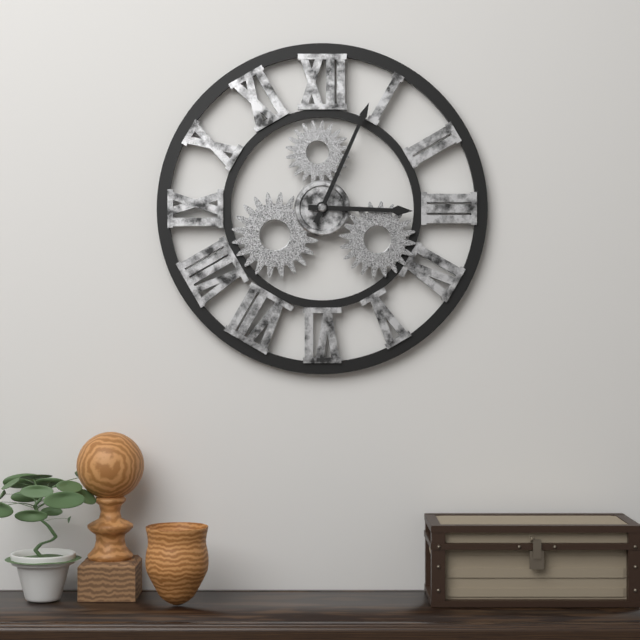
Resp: 3,04
